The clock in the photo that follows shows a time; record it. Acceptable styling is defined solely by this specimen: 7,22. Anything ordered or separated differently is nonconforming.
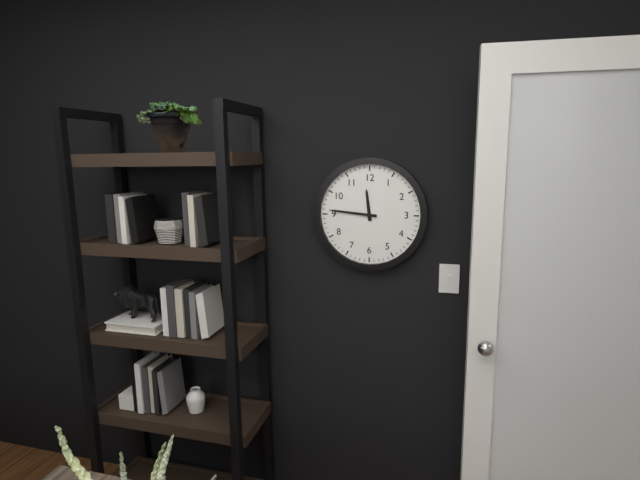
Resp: 11,46
